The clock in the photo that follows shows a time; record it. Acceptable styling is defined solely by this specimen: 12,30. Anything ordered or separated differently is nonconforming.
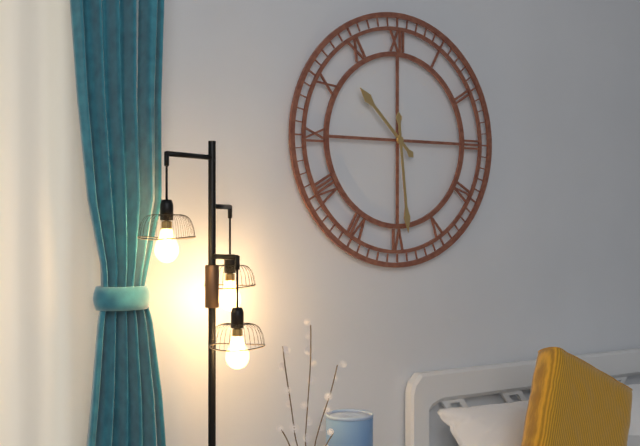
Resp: 10,29
